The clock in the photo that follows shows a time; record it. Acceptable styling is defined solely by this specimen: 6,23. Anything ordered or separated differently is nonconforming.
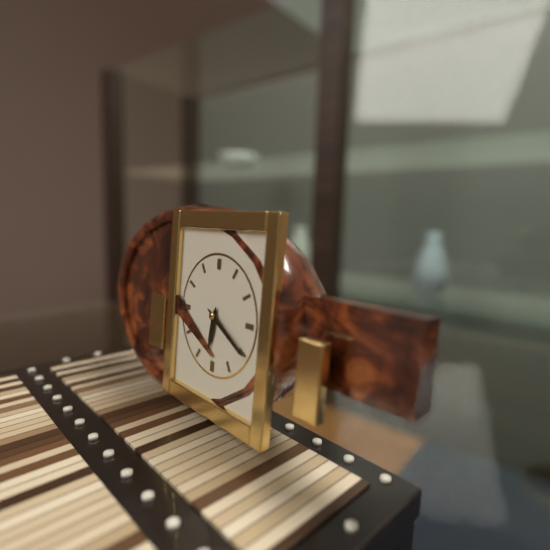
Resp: 6,20
